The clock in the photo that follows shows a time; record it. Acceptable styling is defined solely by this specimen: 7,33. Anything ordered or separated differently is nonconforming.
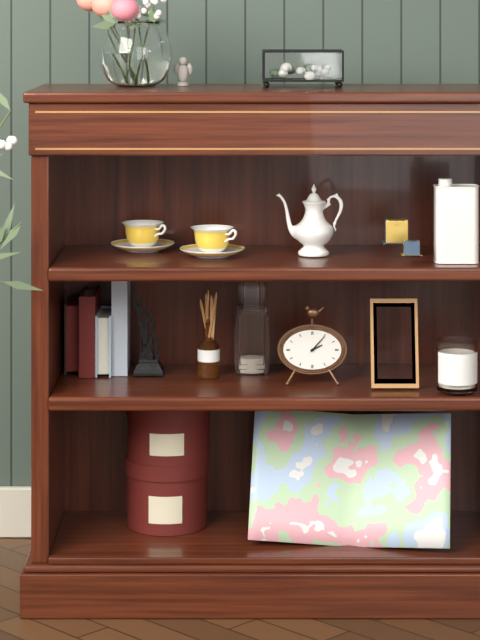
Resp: 2,07
